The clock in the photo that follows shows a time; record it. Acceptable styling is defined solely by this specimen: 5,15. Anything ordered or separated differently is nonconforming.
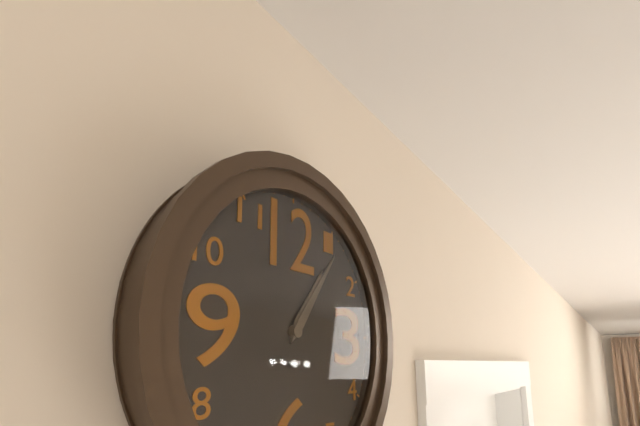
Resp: 1,06
